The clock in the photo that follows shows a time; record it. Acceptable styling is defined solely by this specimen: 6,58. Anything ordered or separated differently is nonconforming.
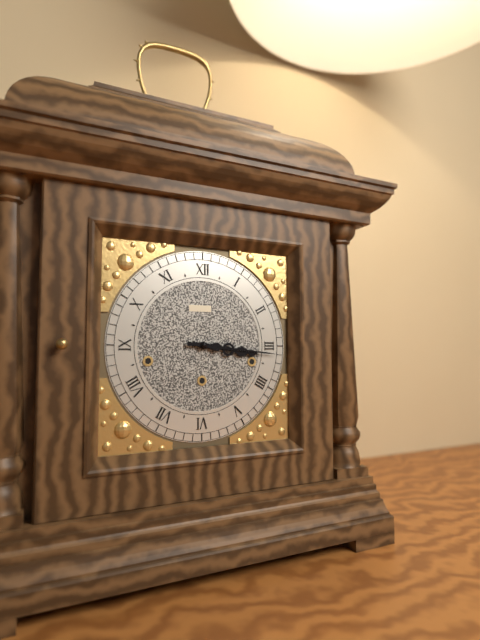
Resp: 3,16
